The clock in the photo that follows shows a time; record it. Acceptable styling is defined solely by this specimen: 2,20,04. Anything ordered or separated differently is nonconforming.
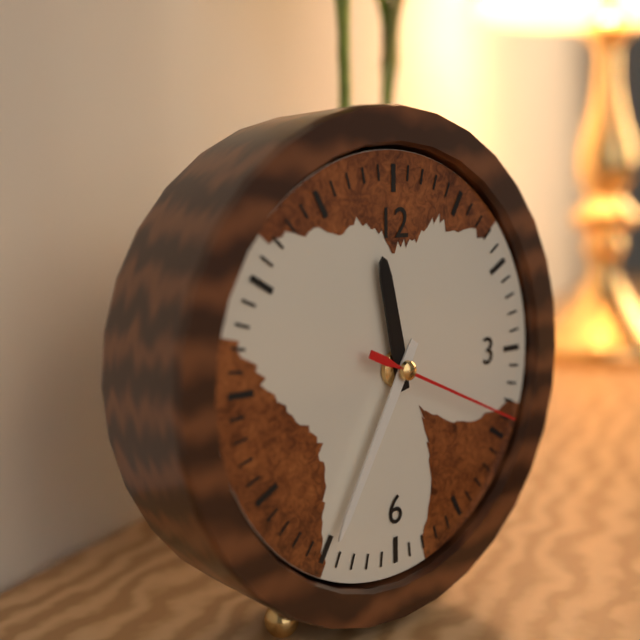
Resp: 11,35,19
